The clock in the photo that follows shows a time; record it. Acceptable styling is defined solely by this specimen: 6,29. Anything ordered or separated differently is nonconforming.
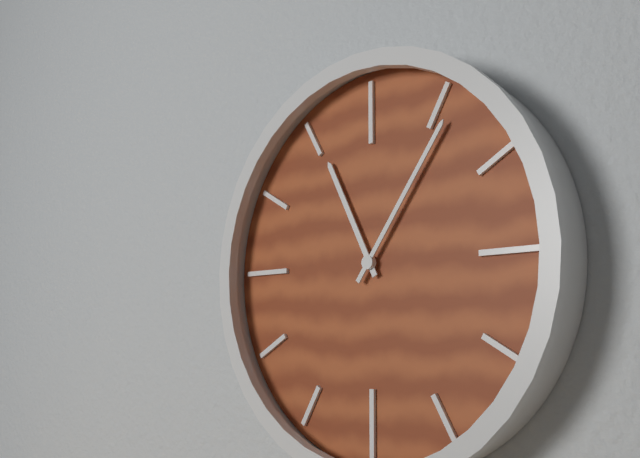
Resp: 11,06
